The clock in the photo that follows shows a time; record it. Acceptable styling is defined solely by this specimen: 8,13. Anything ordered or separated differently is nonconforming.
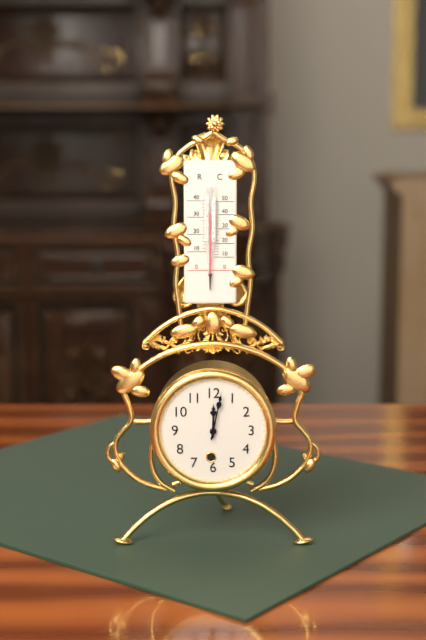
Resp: 12,02
